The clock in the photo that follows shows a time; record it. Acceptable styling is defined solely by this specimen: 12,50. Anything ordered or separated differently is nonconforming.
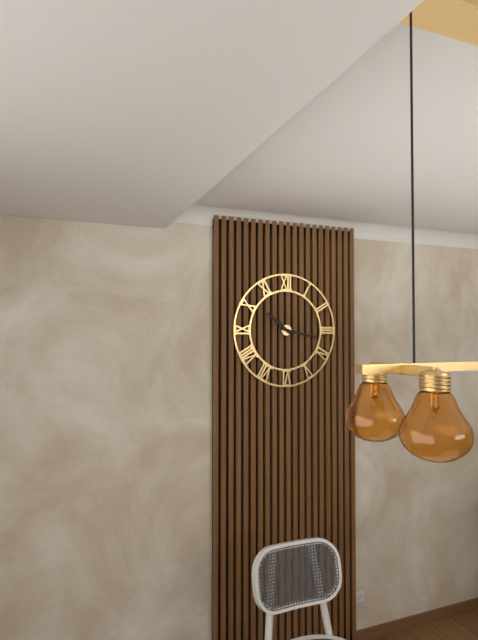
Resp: 10,17
